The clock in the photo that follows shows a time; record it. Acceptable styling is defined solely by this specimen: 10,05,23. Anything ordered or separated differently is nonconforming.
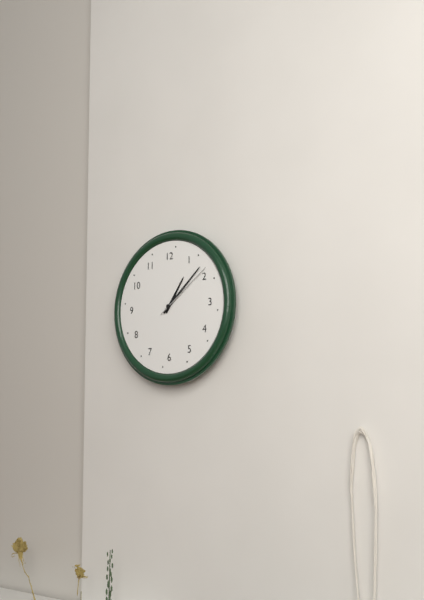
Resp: 1,08,09
